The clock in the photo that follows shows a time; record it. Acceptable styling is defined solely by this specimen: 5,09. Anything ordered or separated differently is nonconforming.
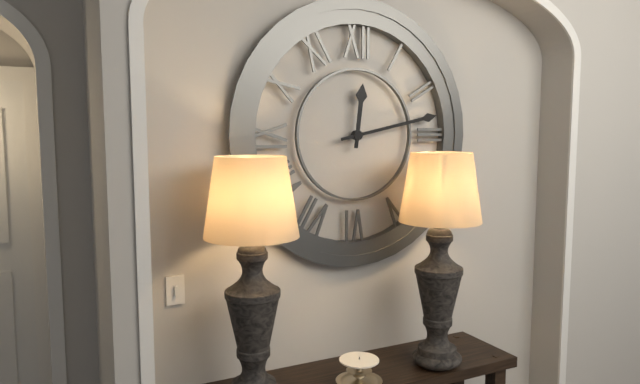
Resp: 12,13
